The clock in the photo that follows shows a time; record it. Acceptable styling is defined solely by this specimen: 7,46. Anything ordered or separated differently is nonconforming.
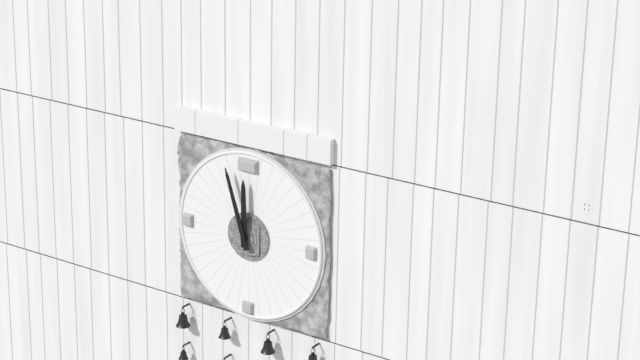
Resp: 11,57
